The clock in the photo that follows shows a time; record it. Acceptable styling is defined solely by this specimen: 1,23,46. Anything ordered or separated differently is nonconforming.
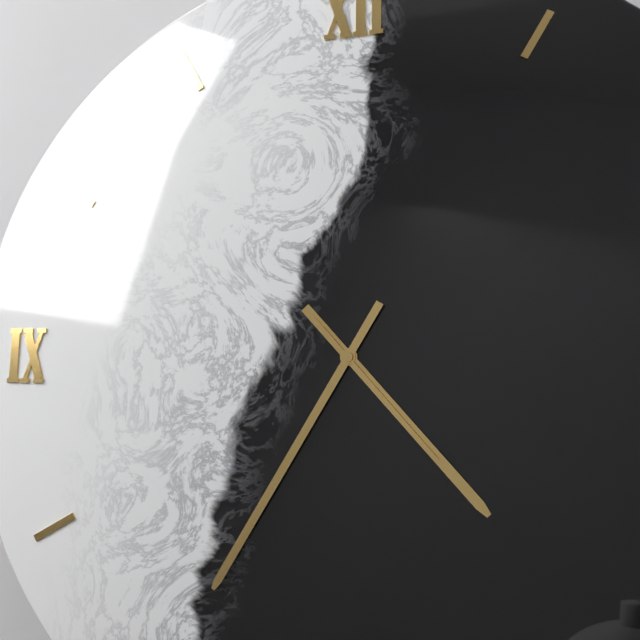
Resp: 4,35,23
